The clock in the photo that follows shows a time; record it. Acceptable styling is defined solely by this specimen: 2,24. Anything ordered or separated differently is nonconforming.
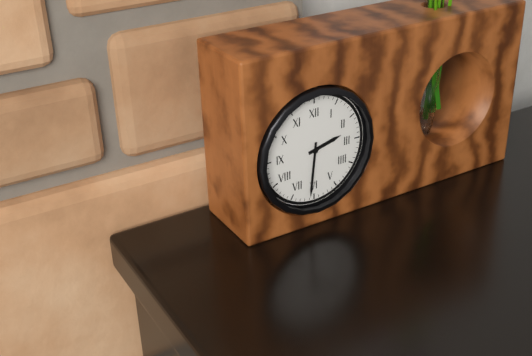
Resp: 2,31
